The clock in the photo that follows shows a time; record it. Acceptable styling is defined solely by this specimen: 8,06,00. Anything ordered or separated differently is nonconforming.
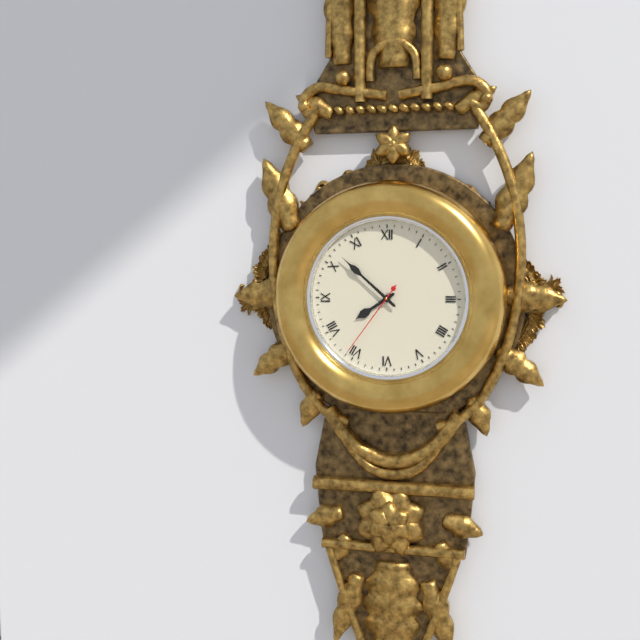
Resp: 7,52,36
